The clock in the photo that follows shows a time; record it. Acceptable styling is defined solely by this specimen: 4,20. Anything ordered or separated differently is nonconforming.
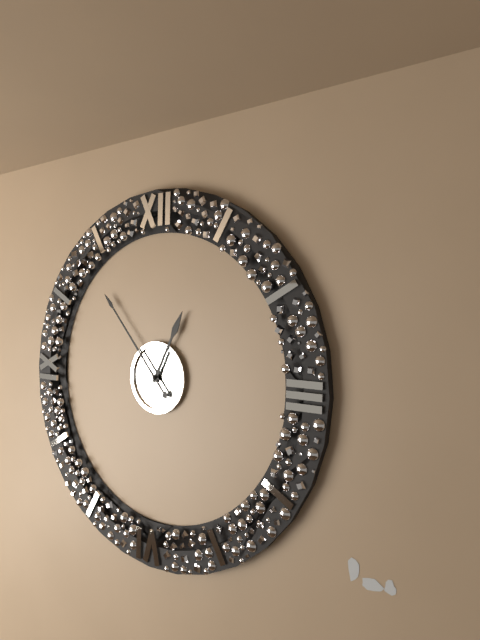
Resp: 12,53
